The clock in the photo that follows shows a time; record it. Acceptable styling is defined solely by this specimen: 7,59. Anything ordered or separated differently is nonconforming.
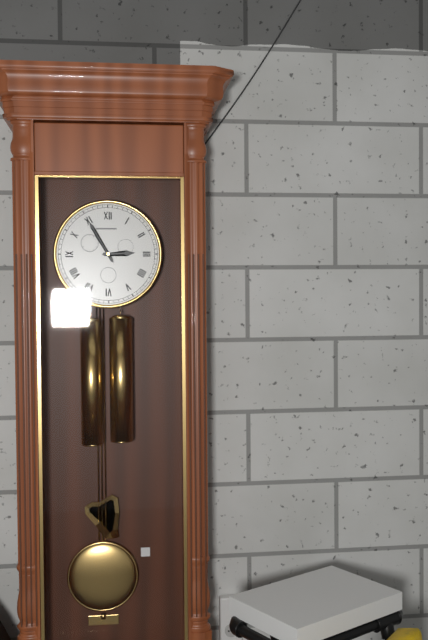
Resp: 2,55
